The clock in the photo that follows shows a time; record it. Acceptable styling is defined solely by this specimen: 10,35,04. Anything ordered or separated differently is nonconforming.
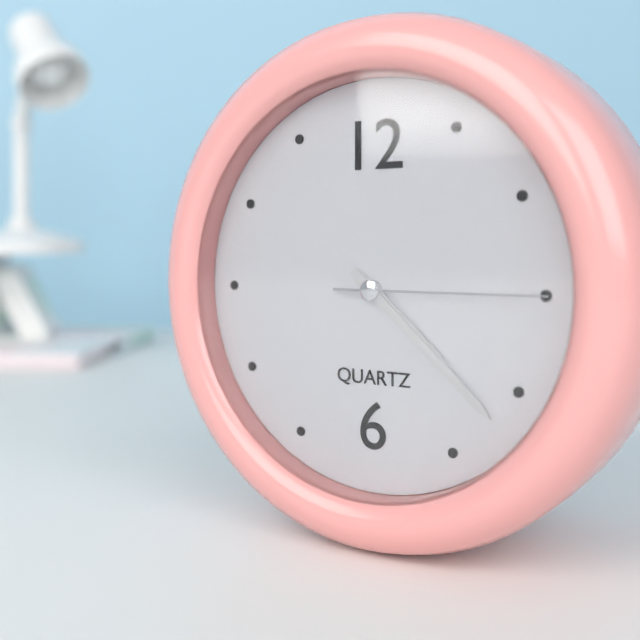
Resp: 4,22,15
